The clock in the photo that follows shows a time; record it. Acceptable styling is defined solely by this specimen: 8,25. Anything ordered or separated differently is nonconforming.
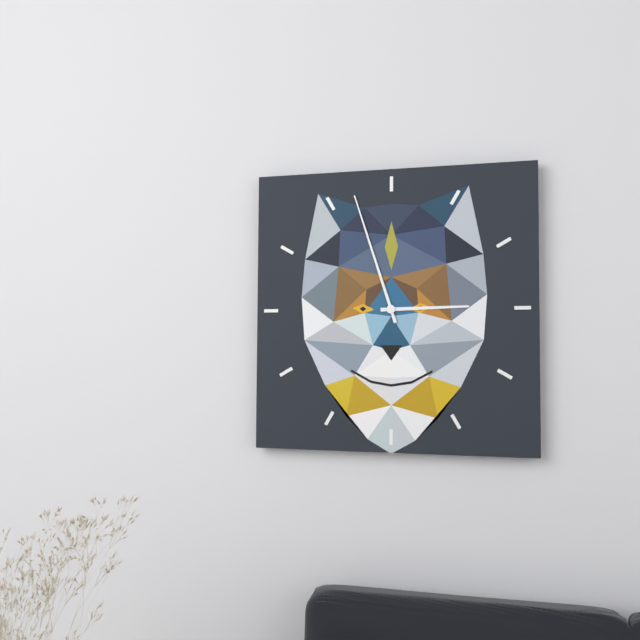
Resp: 2,57
